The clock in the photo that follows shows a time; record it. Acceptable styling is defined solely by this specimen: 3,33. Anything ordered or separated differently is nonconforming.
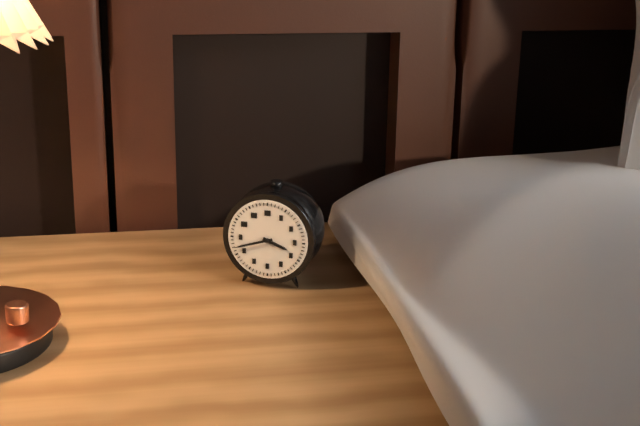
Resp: 3,42
